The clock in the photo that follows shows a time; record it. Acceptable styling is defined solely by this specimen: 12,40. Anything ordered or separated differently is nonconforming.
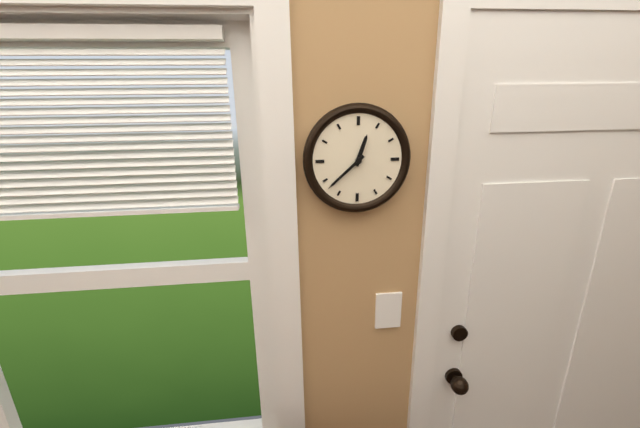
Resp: 12,38
